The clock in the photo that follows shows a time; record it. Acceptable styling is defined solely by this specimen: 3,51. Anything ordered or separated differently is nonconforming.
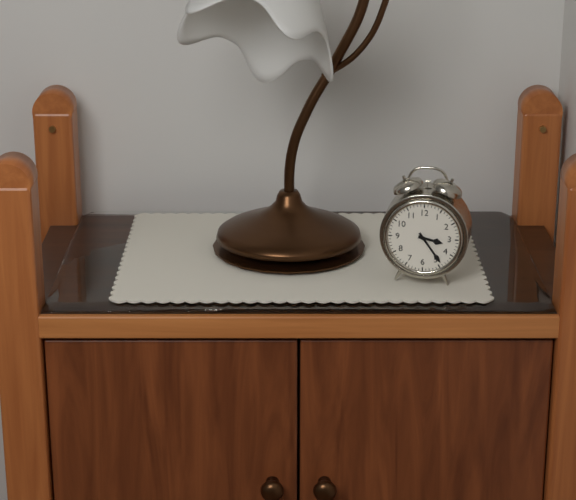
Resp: 3,24
